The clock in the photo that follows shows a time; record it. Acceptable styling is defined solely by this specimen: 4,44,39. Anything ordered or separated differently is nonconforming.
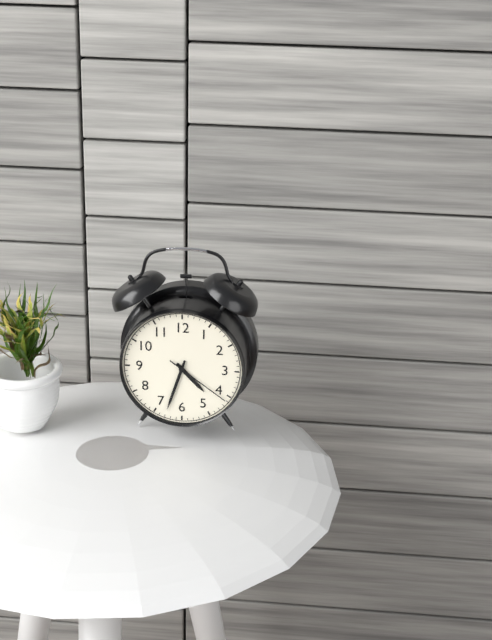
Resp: 4,33,21
